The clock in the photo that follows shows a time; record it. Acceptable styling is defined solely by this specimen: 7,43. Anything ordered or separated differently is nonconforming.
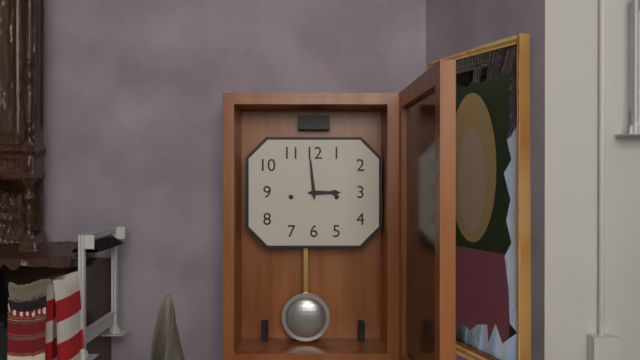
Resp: 2,59
